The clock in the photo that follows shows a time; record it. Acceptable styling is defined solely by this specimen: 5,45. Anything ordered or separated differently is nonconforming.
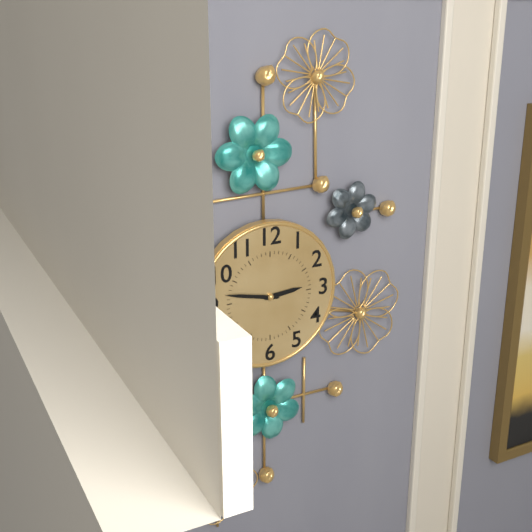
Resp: 2,47
